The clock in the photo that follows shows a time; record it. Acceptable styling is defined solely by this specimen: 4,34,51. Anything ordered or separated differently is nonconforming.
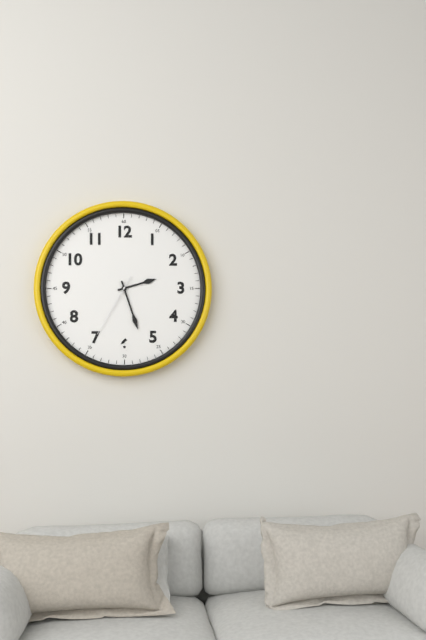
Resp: 2,27,35
